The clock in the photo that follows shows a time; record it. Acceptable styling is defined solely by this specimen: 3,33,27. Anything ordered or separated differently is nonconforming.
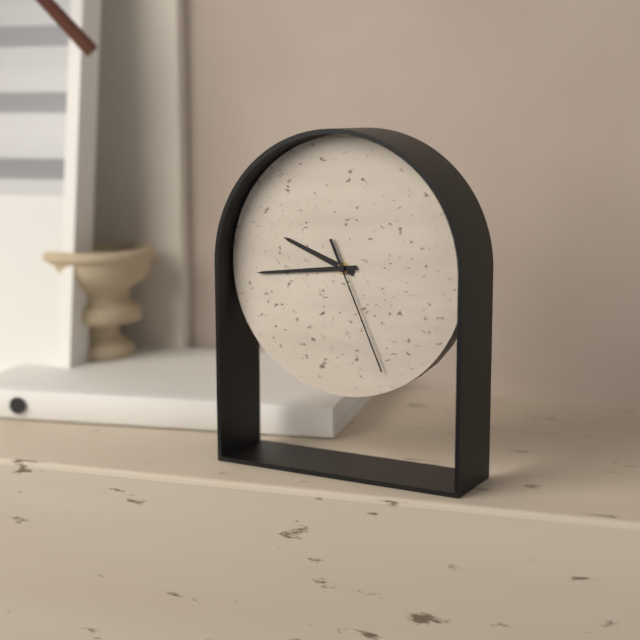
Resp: 9,44,26
